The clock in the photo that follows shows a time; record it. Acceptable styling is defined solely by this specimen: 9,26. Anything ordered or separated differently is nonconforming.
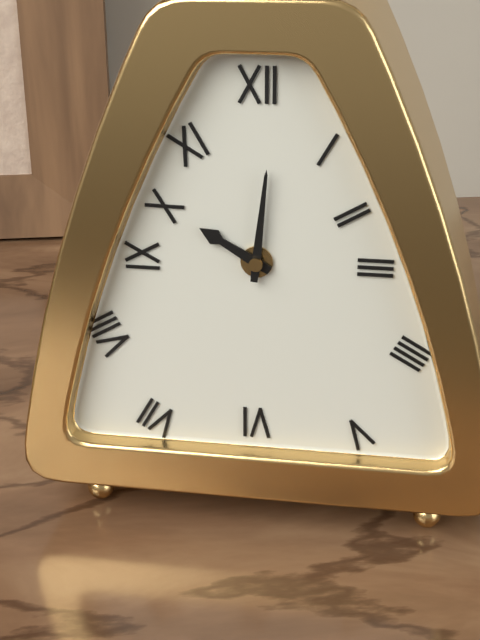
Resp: 10,01
